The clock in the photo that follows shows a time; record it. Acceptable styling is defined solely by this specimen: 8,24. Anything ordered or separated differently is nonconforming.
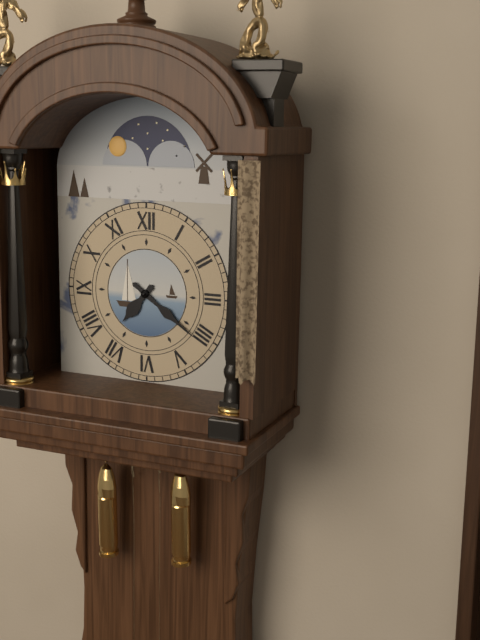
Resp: 7,21
